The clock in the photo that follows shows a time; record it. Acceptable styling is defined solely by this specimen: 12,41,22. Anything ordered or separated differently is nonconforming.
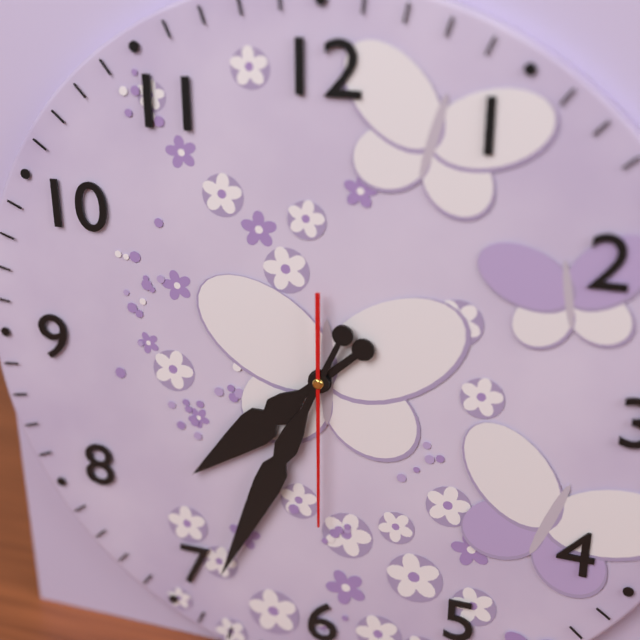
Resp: 7,34,30
